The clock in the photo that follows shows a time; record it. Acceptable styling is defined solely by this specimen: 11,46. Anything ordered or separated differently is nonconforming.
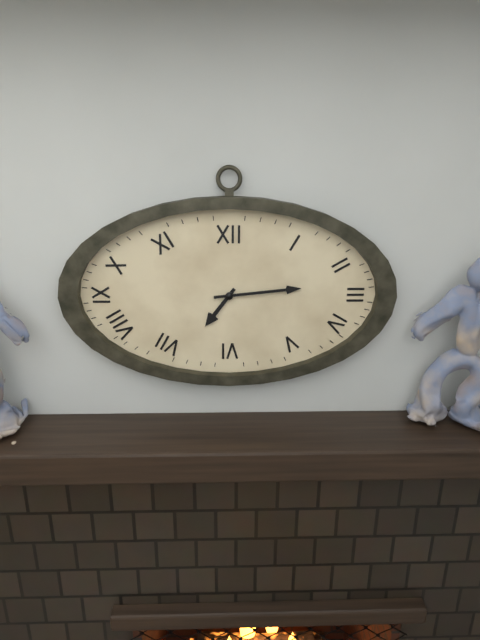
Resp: 7,14
